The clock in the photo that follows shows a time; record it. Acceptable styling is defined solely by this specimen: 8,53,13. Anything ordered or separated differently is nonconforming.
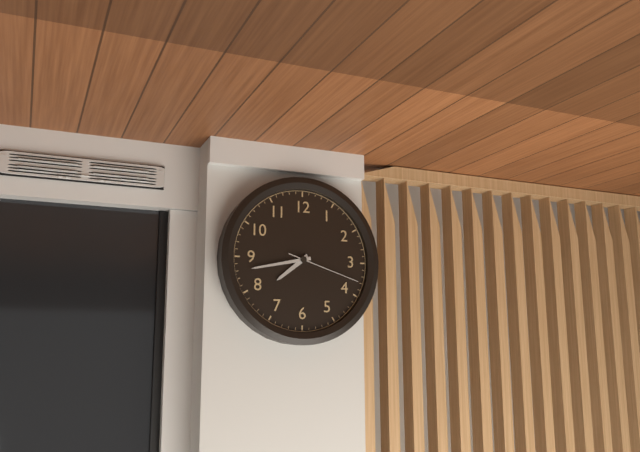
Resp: 7,43,18
